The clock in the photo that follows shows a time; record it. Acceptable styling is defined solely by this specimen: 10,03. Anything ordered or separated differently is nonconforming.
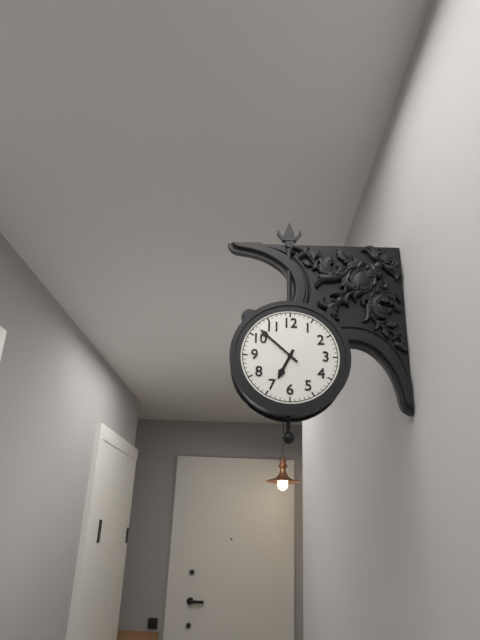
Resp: 6,52
